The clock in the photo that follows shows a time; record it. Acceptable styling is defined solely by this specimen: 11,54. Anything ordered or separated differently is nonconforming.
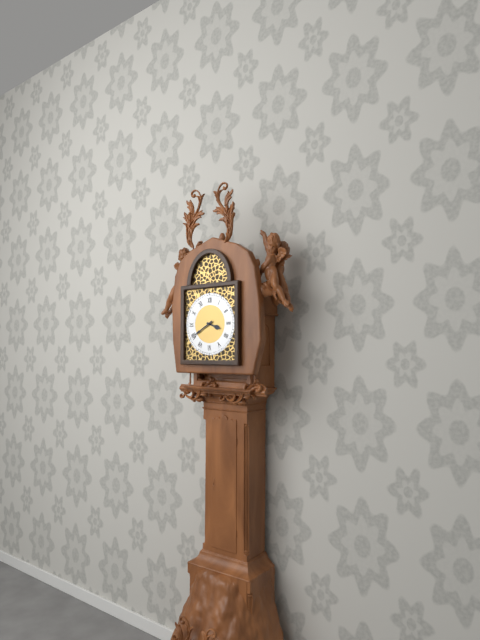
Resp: 3,40
